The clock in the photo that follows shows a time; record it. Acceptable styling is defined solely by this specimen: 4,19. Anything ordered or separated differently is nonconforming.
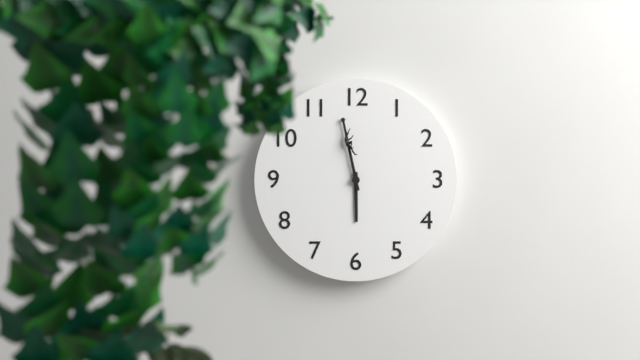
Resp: 5,58
